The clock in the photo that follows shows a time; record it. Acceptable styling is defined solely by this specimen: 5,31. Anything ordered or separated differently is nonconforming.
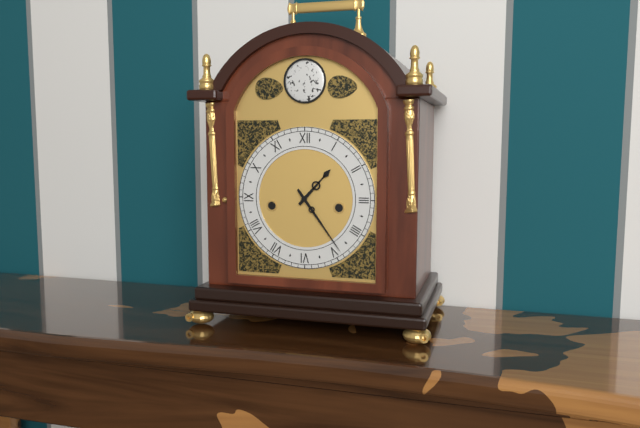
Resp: 1,24
